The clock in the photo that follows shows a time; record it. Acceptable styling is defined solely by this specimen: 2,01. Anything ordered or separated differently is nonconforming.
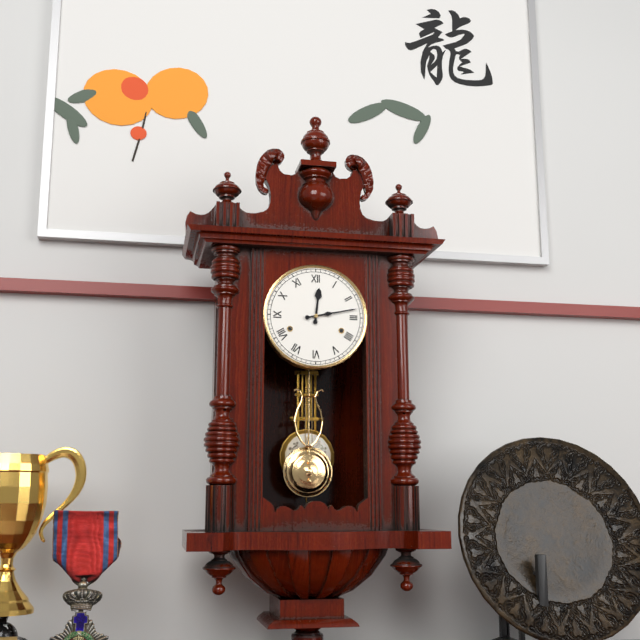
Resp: 12,13
